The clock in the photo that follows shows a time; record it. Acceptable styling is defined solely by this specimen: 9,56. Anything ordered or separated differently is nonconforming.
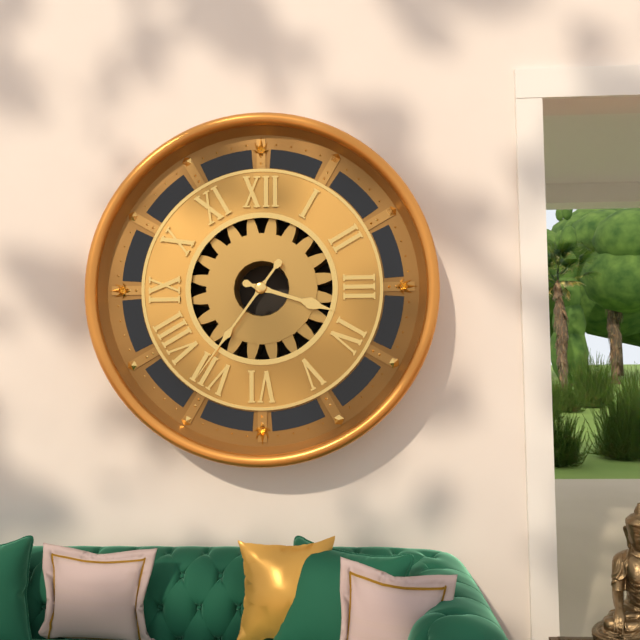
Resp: 3,36
